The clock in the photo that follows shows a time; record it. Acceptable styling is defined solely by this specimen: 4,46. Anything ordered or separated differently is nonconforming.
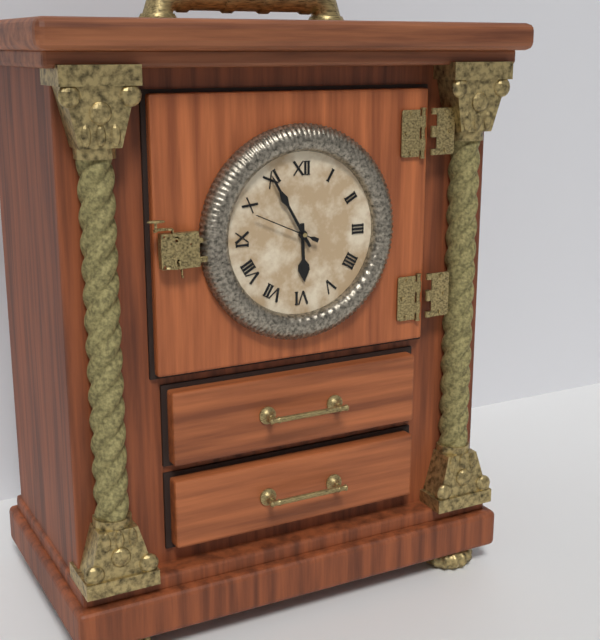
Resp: 5,55
